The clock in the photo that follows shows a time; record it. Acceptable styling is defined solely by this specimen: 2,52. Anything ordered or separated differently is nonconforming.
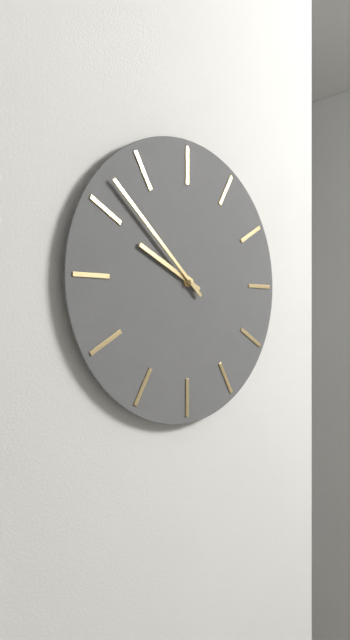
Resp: 9,52
